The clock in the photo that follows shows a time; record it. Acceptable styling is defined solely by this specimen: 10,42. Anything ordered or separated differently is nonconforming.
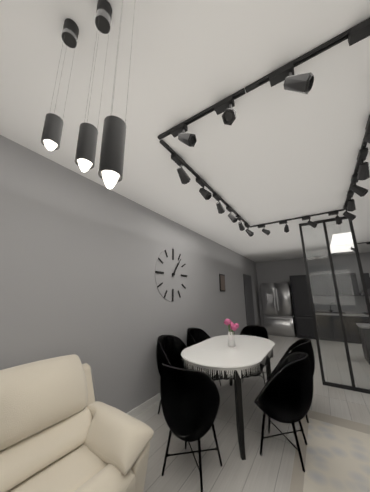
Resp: 1,06
